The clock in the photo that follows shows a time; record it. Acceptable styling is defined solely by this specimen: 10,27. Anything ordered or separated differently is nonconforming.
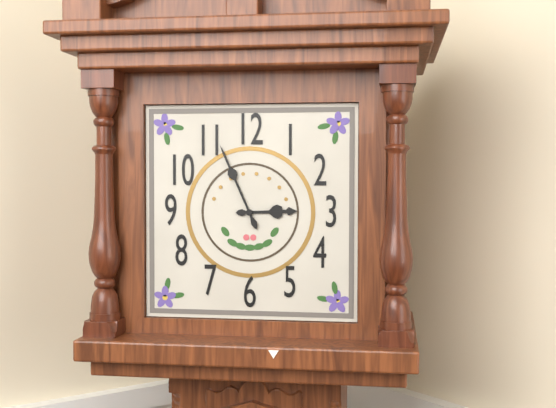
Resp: 2,56
